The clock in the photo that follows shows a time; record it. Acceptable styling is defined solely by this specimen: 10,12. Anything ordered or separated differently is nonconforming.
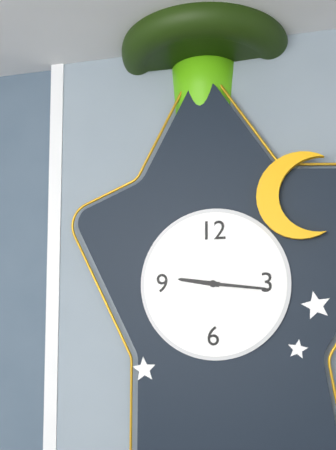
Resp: 9,16
